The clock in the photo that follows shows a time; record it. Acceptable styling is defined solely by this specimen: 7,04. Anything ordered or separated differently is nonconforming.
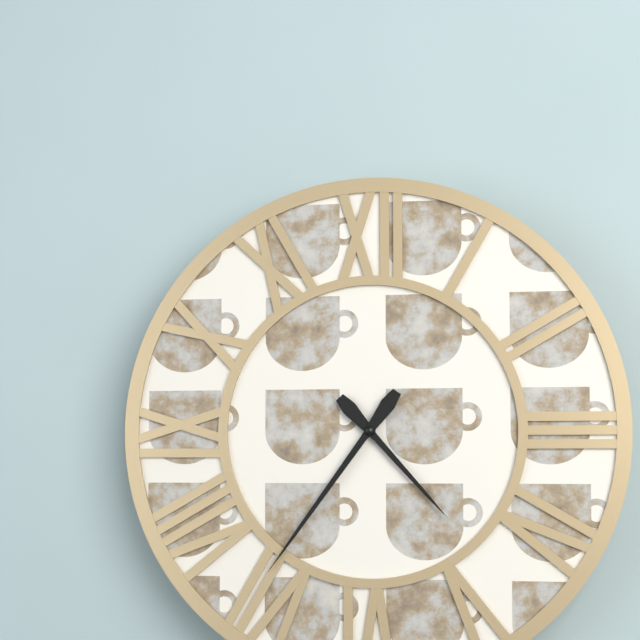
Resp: 4,36
